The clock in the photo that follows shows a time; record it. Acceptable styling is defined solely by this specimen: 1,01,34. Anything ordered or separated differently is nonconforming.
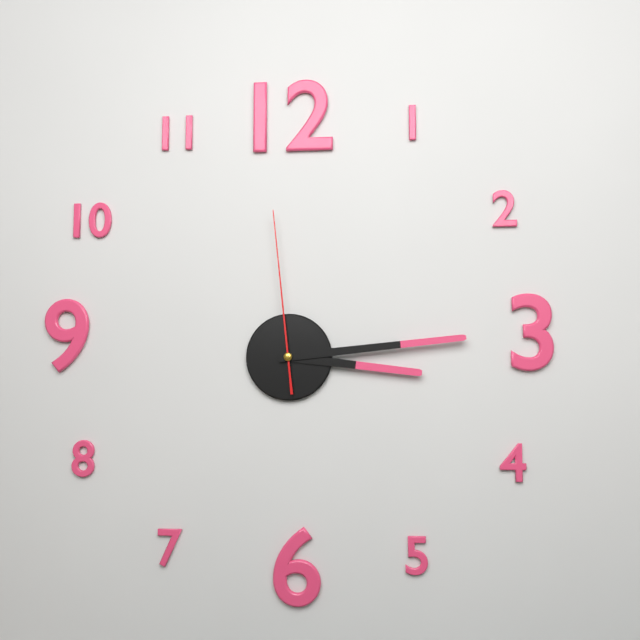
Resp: 3,14,59
